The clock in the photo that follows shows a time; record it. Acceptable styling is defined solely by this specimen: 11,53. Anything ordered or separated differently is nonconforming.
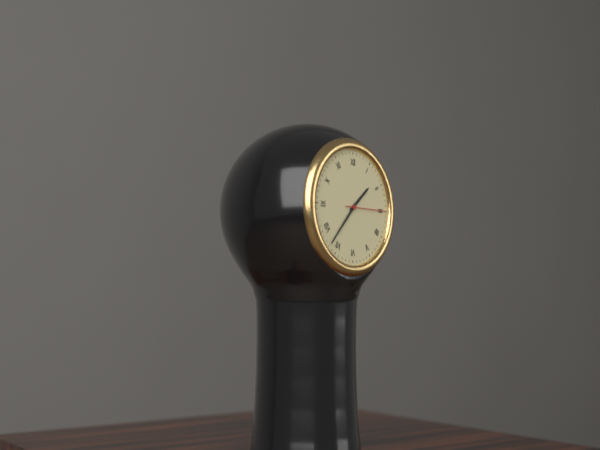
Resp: 1,37
